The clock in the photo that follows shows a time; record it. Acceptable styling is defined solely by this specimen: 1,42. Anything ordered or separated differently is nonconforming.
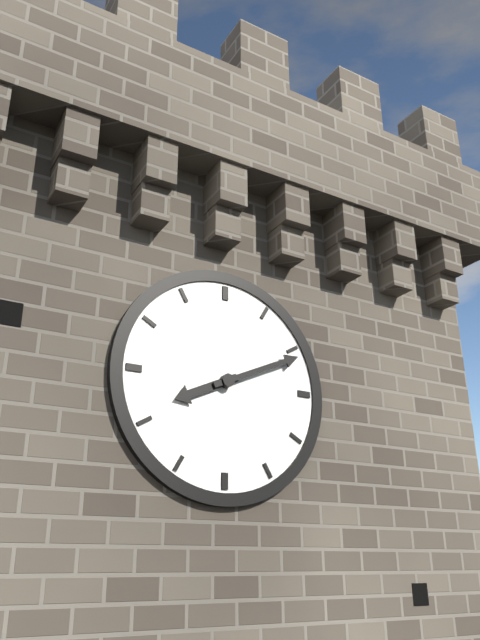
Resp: 8,11
